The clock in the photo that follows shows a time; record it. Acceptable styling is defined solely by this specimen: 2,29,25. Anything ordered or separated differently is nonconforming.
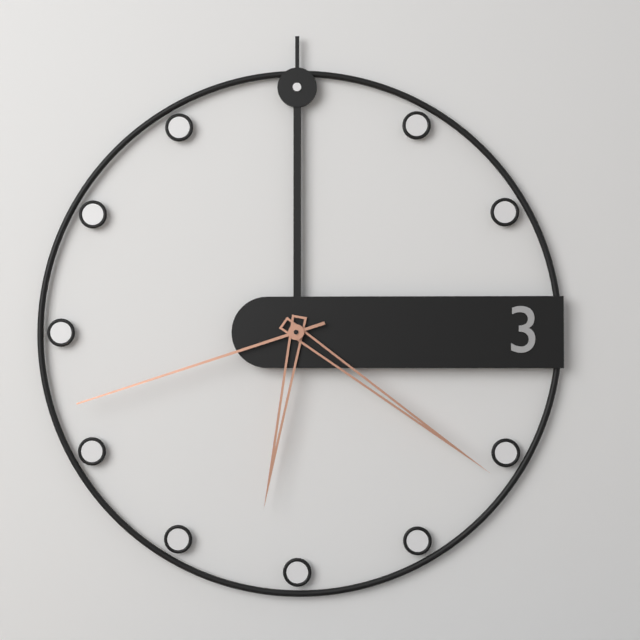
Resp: 6,21,42
